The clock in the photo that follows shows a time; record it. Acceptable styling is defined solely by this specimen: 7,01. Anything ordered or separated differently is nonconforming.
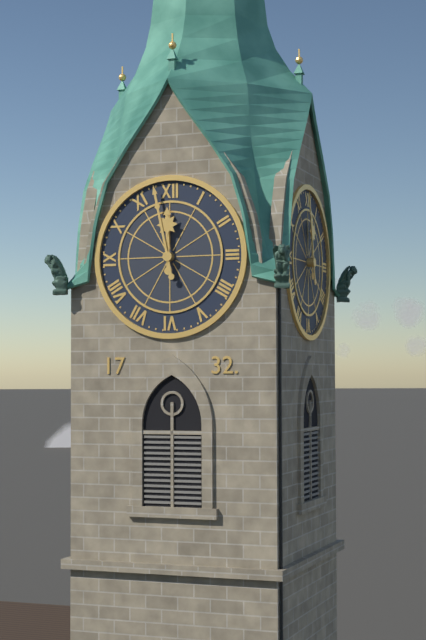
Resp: 11,58
